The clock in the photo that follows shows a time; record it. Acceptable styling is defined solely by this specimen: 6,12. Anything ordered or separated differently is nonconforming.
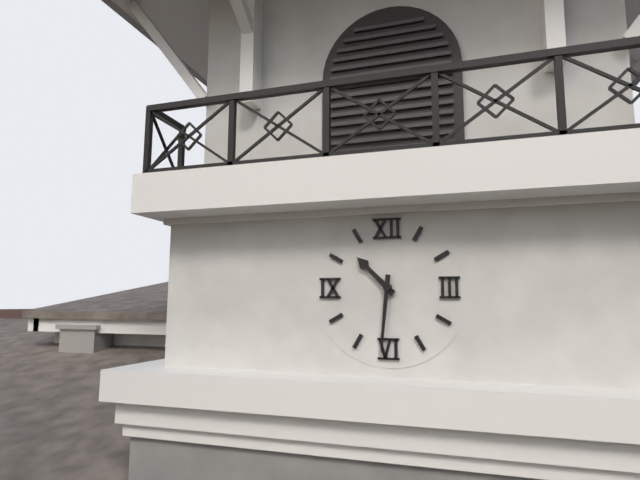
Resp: 10,31
